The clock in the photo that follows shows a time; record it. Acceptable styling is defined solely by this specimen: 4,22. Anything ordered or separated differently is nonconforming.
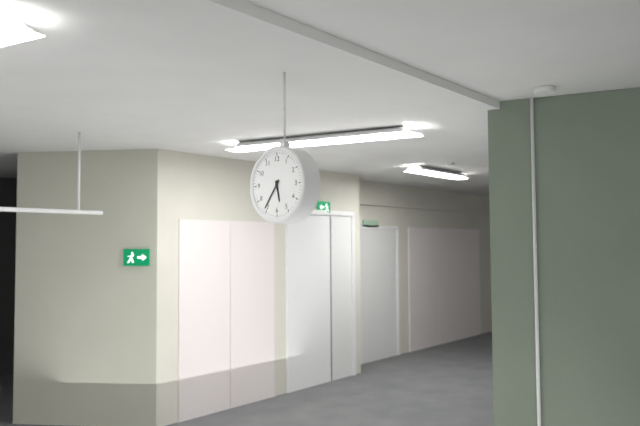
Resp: 5,36
